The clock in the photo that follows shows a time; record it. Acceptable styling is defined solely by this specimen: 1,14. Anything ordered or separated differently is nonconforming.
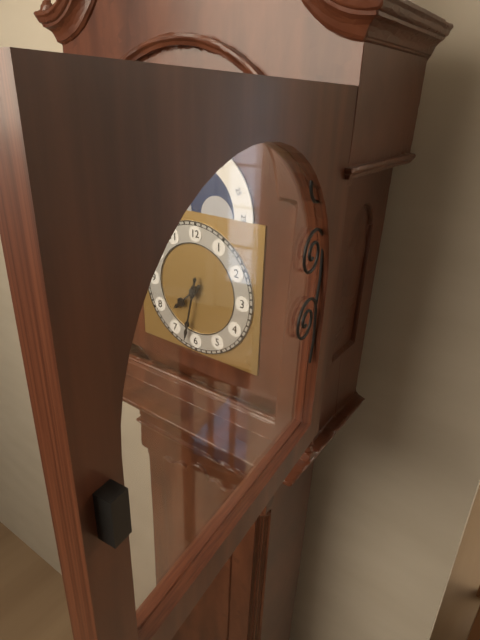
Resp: 7,32
